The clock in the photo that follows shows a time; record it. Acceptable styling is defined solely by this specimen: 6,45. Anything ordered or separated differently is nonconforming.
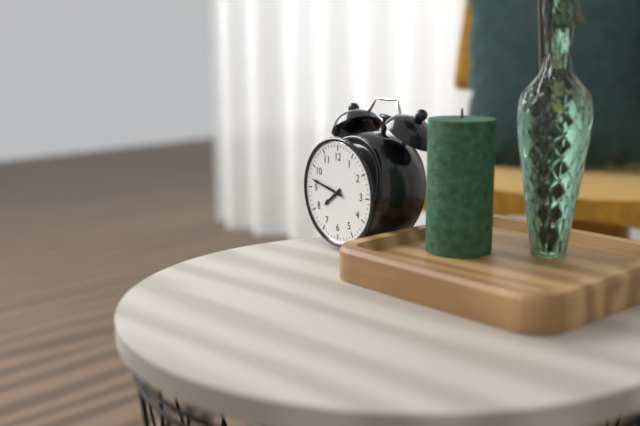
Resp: 7,47
